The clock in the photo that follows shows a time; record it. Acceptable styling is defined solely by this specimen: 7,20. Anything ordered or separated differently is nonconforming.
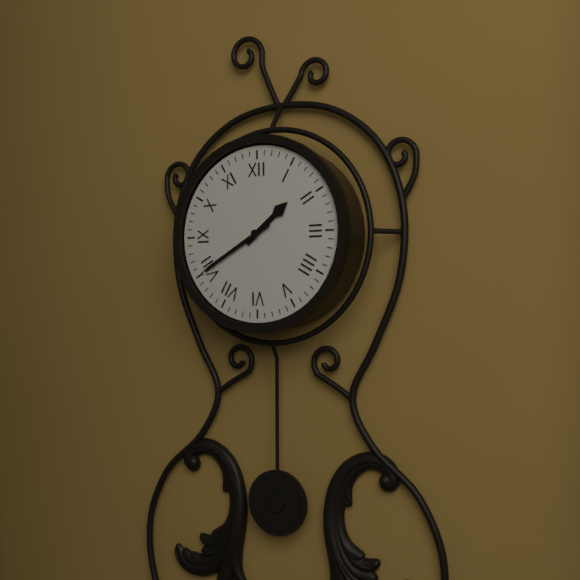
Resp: 1,40
